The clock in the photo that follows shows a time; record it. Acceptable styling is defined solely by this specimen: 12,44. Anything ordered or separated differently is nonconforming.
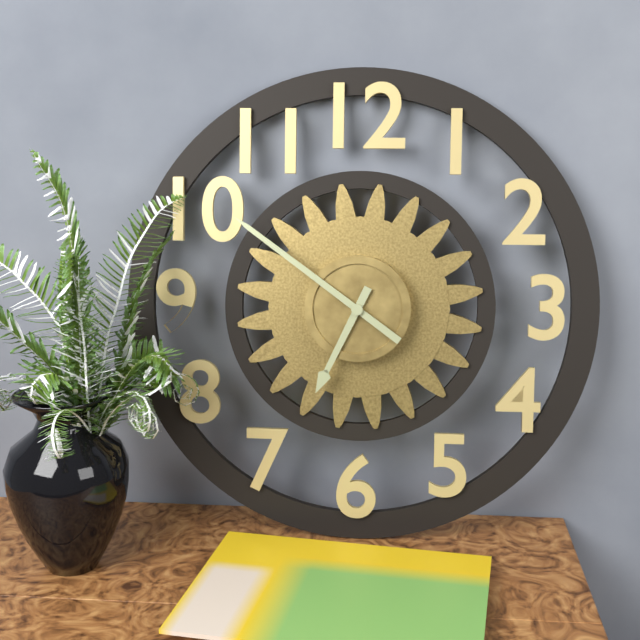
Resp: 6,51
